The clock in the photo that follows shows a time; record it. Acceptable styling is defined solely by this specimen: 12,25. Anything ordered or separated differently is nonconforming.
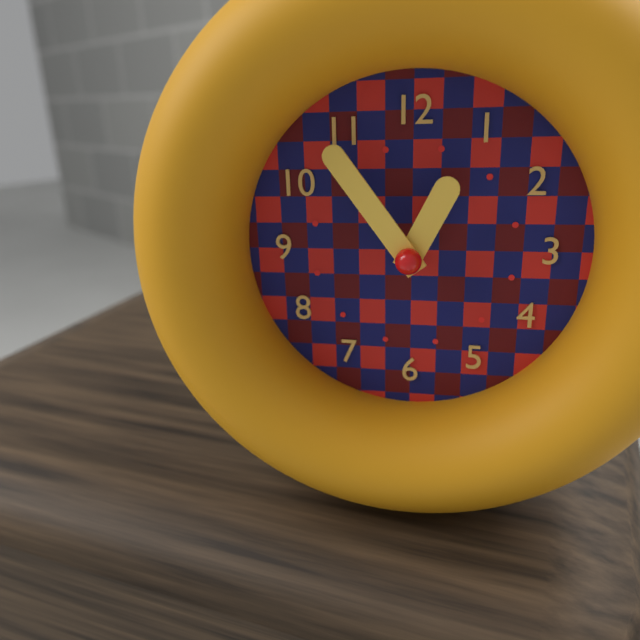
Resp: 12,54
